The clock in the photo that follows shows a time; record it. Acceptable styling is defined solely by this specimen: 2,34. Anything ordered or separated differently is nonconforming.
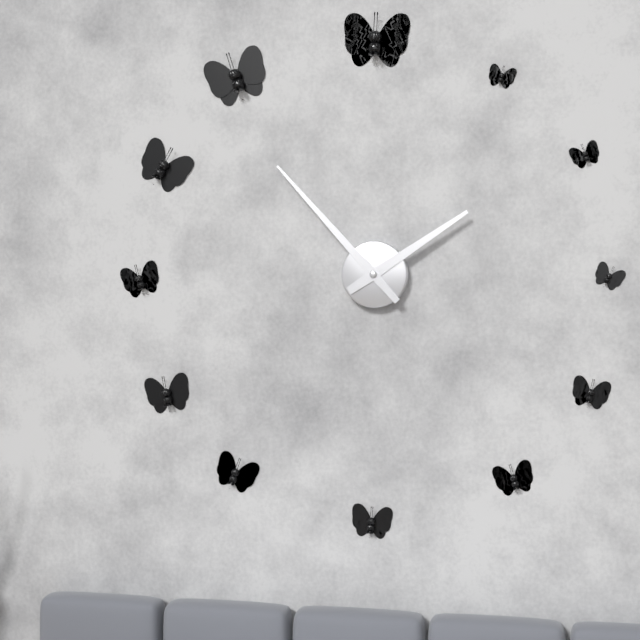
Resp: 1,53
